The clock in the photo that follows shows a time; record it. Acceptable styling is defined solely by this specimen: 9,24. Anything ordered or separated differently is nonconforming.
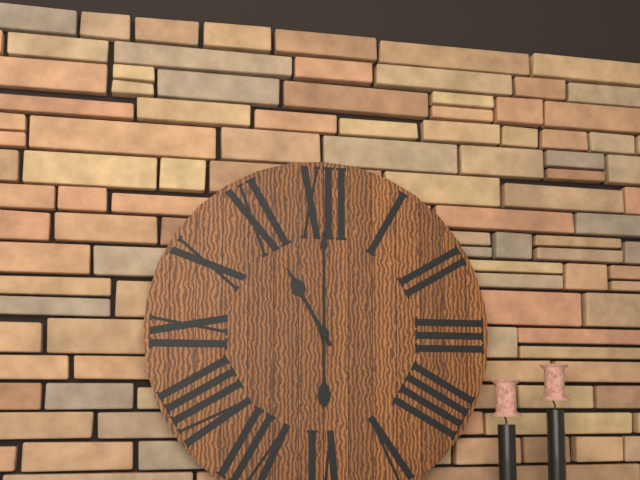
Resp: 11,00
